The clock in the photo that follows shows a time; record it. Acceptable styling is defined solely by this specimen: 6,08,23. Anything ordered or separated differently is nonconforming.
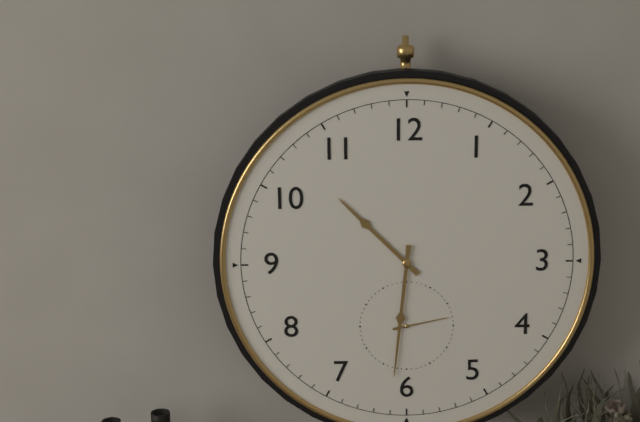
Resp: 10,31,13
